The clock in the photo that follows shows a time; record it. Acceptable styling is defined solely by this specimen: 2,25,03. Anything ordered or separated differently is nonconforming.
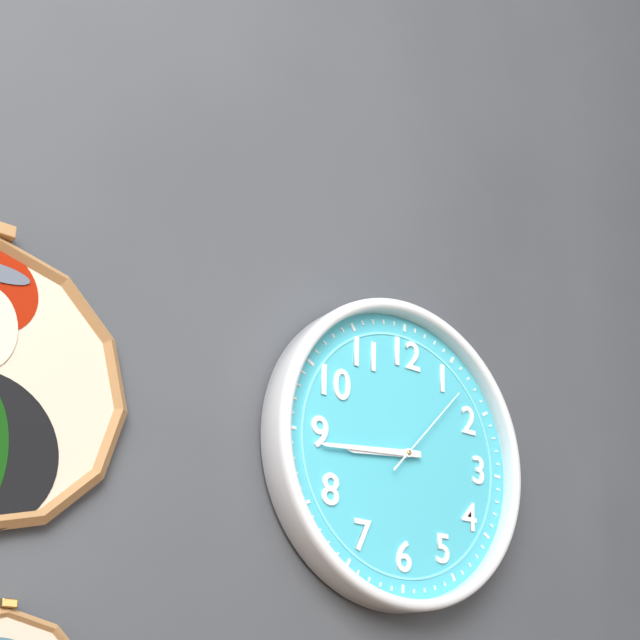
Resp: 8,44,07
